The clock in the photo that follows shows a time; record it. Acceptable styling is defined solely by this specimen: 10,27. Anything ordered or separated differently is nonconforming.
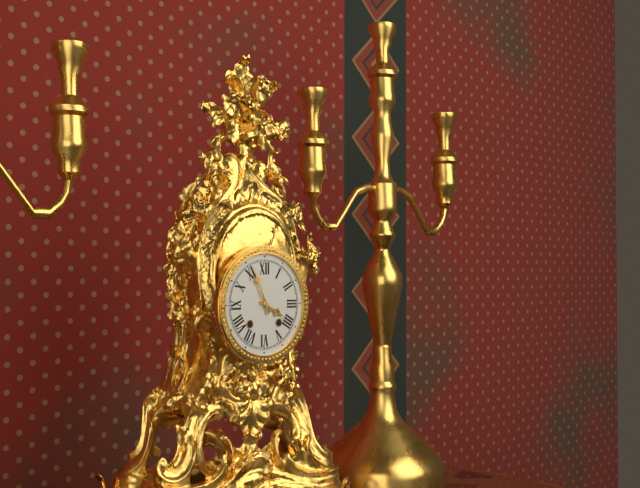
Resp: 3,56
